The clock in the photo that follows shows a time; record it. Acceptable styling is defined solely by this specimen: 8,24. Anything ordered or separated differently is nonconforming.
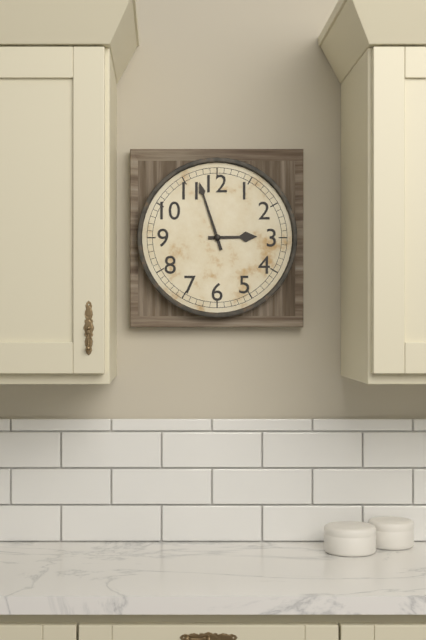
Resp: 2,57
